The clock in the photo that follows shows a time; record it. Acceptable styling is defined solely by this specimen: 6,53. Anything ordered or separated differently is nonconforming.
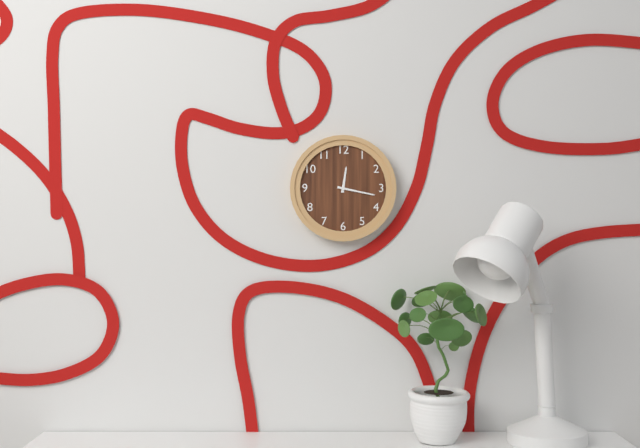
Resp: 12,17
